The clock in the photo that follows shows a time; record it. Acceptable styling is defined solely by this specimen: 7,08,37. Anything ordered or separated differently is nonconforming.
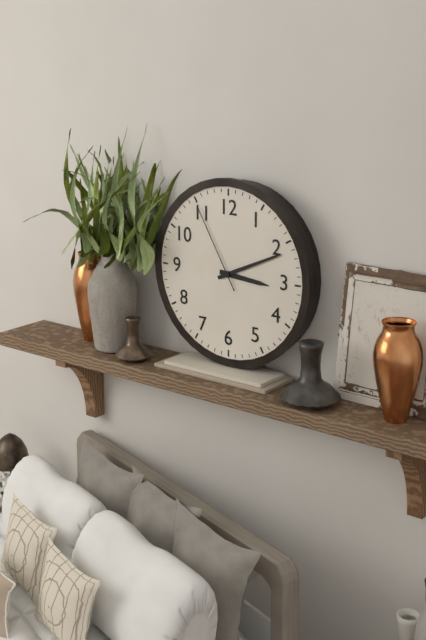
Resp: 3,11,55
